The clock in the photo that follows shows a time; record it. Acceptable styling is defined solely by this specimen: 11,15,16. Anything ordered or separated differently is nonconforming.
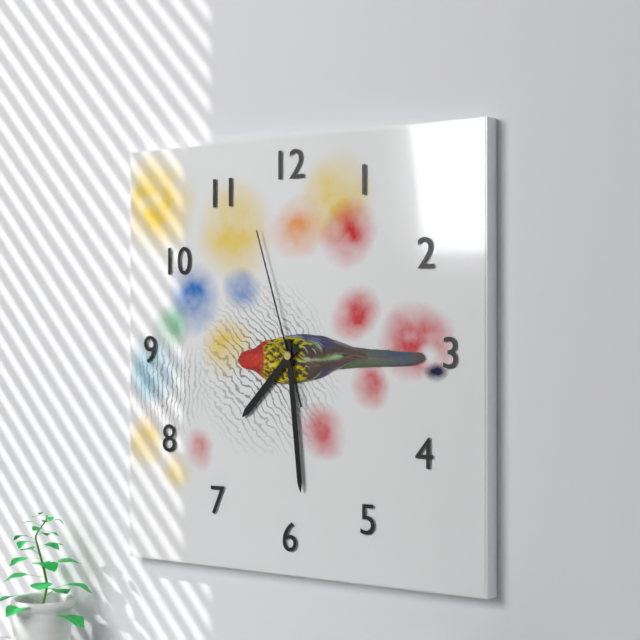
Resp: 7,29,57
